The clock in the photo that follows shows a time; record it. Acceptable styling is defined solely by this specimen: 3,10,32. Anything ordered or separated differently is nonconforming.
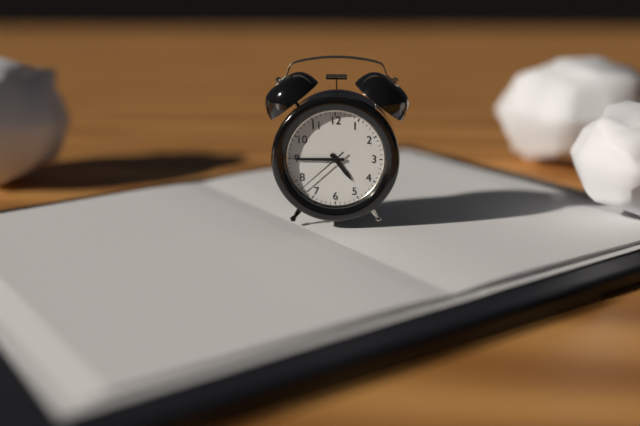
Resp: 4,45,38
